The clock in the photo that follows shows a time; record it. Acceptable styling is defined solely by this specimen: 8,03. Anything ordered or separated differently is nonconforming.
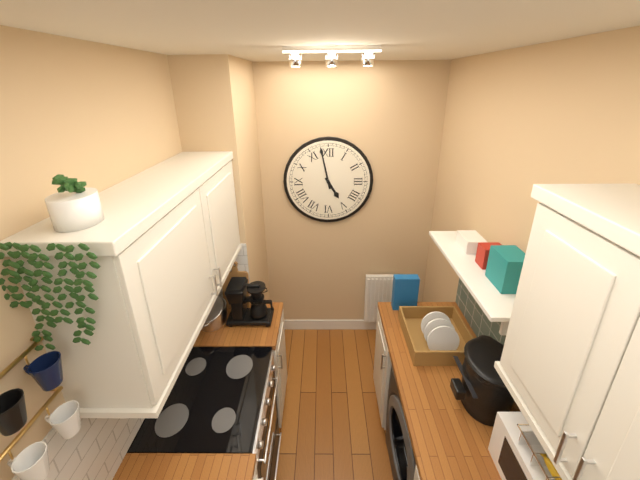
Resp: 4,58
